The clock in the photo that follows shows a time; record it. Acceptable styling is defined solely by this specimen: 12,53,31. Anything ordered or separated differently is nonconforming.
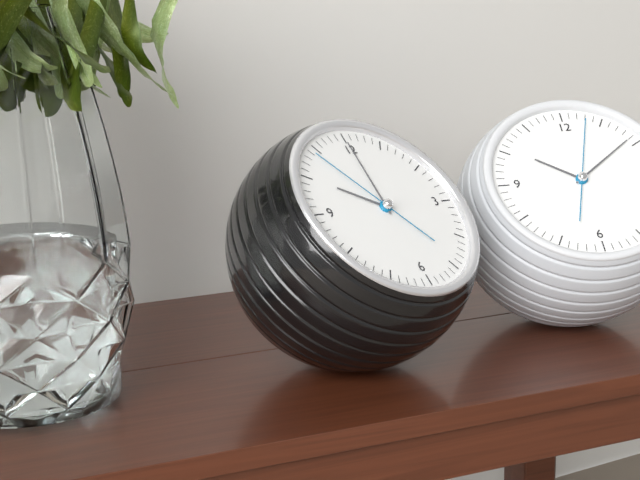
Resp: 10,00,54
